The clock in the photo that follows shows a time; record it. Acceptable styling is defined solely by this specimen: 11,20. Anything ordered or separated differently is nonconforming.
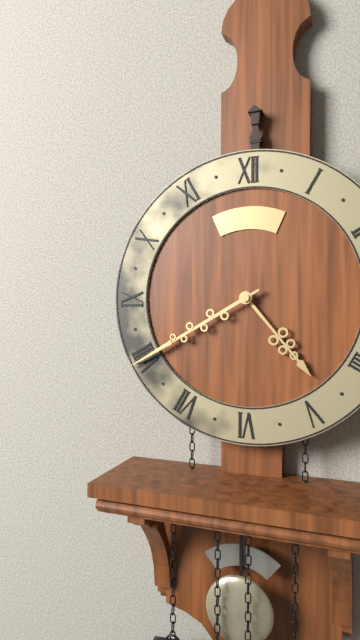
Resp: 4,40
